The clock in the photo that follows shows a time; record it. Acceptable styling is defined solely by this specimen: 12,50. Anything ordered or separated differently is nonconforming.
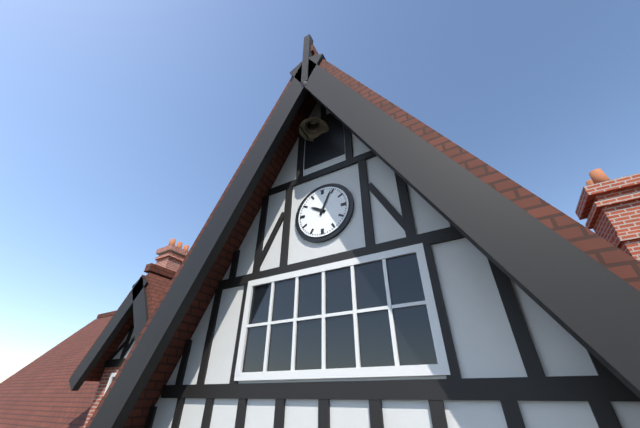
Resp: 10,04
